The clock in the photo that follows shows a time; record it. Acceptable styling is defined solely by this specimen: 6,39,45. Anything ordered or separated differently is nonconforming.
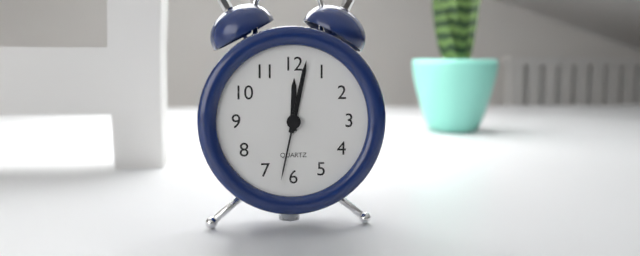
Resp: 12,02,32
